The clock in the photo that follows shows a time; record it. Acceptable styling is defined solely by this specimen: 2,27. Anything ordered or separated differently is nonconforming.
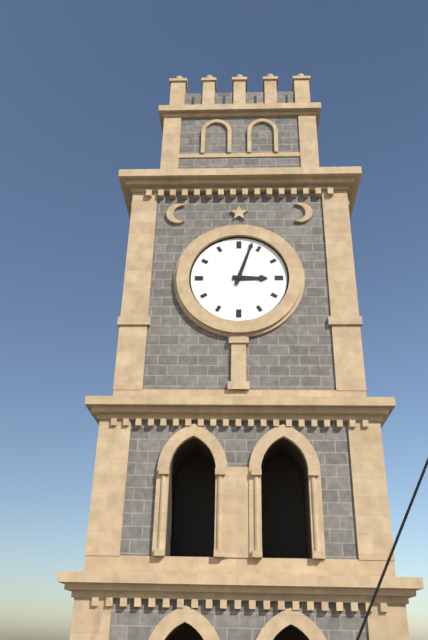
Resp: 3,03
